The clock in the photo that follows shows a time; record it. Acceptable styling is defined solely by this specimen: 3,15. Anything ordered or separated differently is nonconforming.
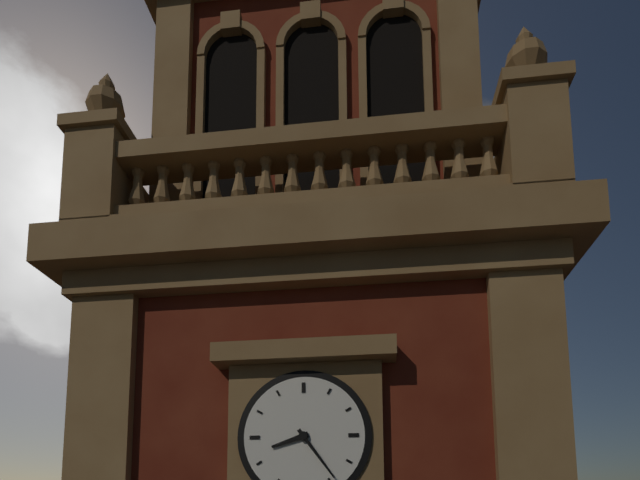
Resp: 8,24
